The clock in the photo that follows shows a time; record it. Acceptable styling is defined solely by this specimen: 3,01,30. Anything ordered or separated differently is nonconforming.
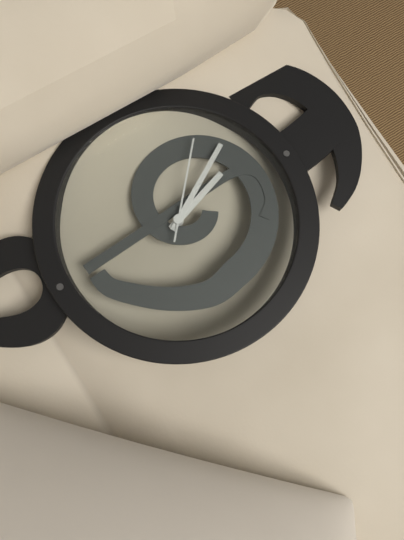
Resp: 5,25,22
